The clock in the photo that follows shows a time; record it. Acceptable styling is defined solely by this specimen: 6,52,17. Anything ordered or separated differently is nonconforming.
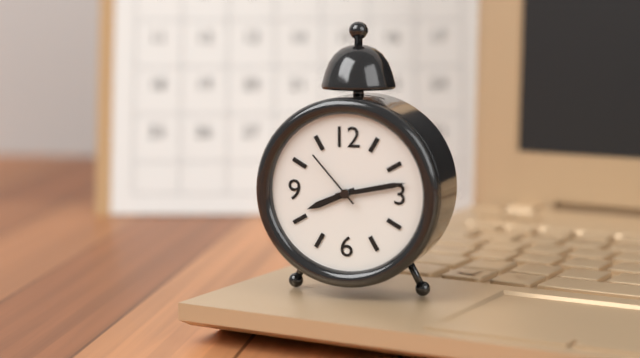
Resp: 8,13,53
